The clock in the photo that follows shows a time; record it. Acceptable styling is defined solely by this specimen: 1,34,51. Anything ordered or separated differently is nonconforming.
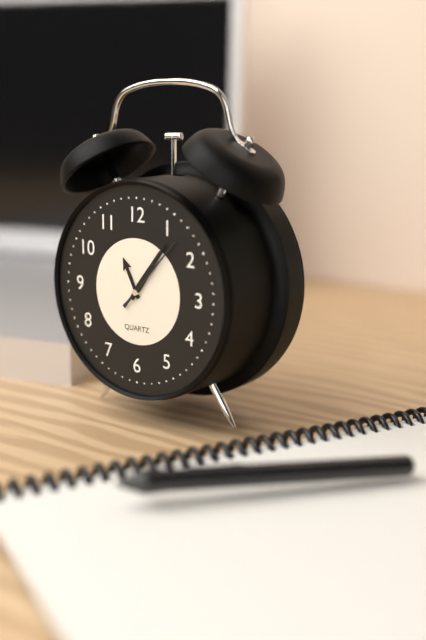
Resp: 11,06,07
